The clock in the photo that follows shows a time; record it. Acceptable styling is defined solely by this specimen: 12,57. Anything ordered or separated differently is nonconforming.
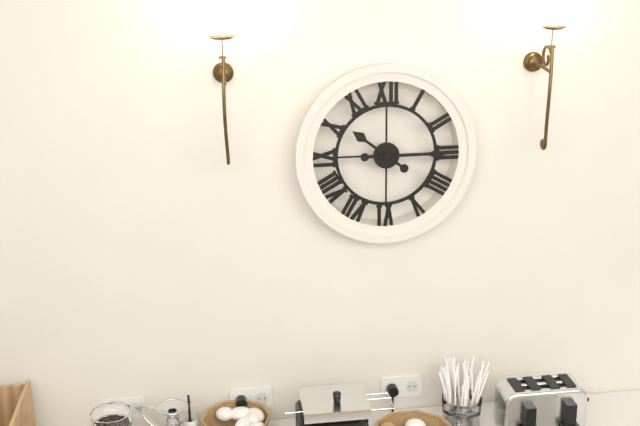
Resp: 10,15
